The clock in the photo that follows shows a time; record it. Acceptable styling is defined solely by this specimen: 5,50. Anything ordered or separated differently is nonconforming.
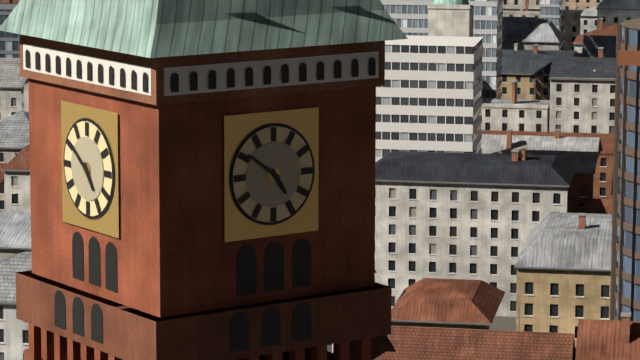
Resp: 4,51
